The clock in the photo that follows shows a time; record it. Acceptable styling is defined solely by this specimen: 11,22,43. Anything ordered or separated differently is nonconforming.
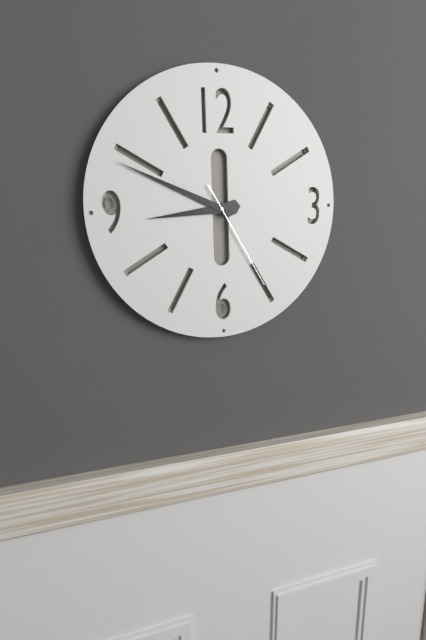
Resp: 8,49,25
